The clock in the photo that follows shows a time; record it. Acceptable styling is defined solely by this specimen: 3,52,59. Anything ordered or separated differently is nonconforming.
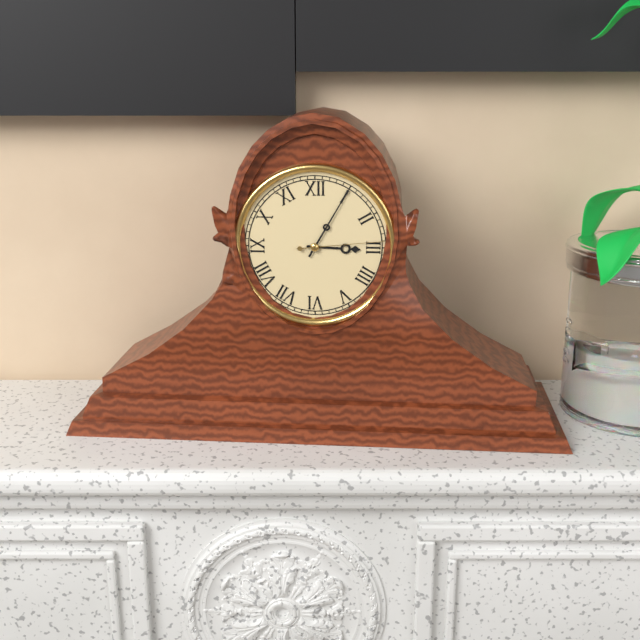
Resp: 3,05,14
